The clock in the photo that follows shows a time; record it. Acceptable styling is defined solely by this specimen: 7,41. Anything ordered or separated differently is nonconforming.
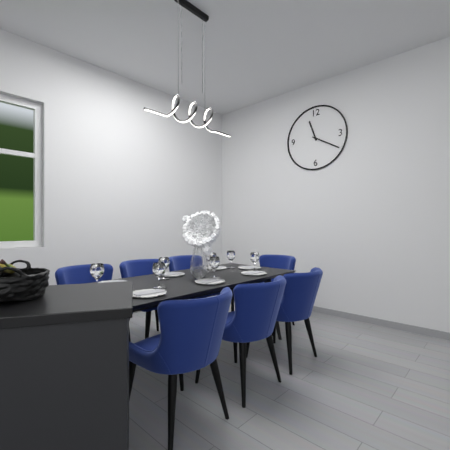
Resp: 11,20
